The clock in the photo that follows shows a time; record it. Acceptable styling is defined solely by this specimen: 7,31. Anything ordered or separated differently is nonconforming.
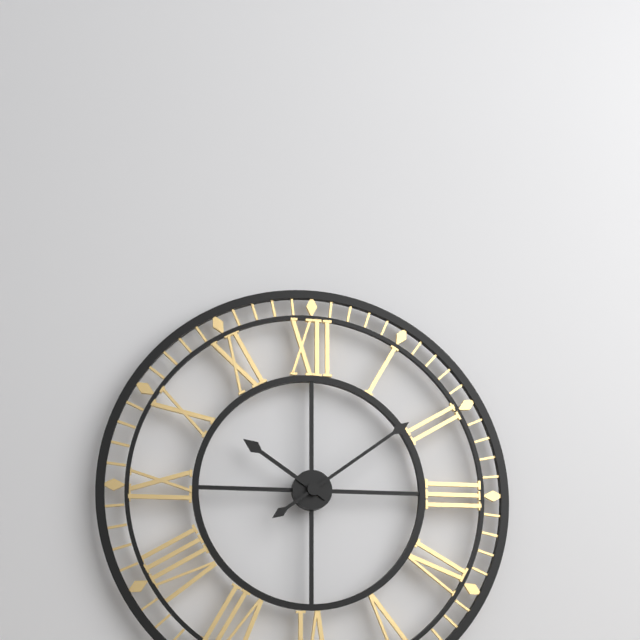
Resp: 10,09
